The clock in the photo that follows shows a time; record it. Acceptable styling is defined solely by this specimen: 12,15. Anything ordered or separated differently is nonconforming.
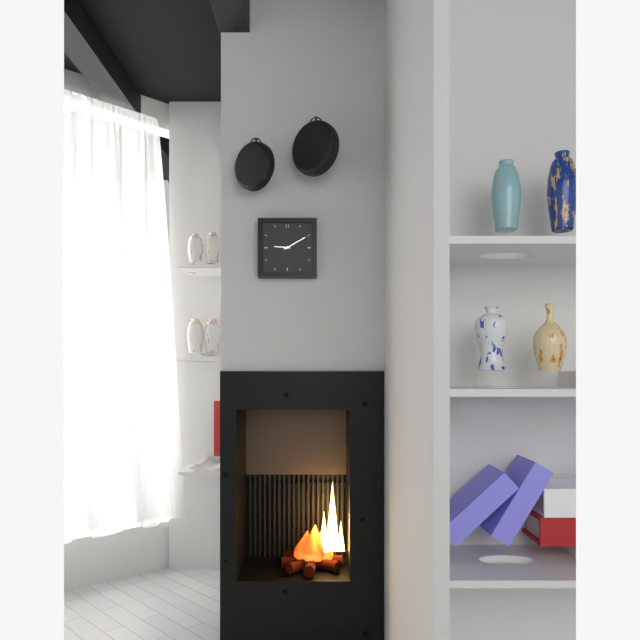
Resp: 9,10
